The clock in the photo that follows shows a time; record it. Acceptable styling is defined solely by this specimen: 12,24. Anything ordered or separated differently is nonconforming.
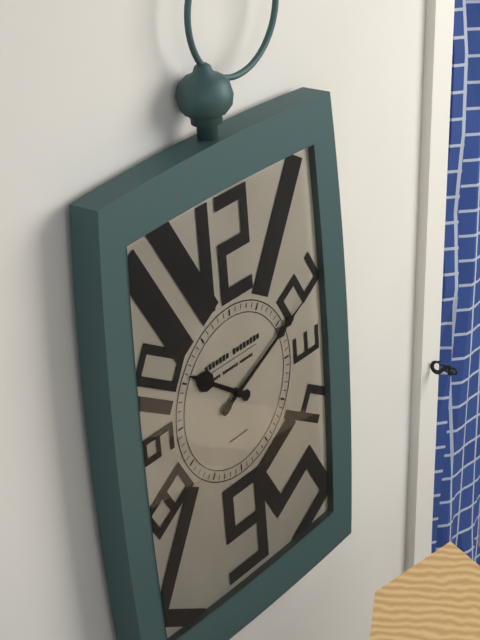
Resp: 10,11
